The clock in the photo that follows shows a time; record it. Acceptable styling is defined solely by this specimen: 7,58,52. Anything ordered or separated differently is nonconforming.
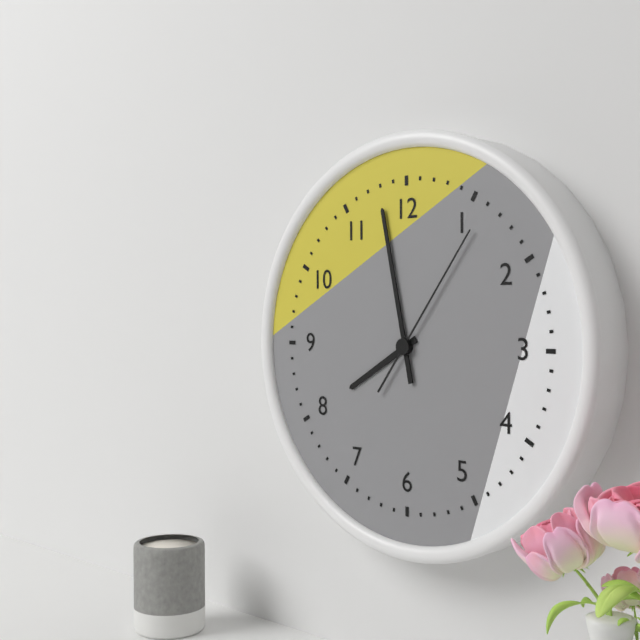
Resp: 7,58,06
